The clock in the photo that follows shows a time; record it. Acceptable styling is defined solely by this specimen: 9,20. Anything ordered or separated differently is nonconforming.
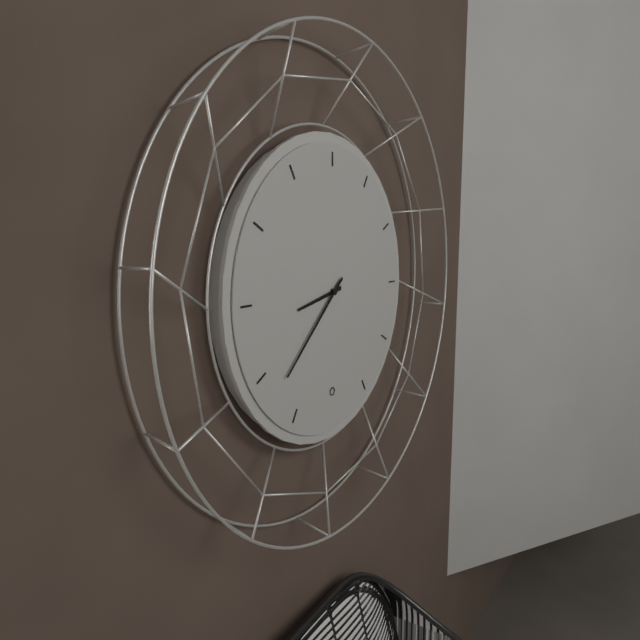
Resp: 8,38
